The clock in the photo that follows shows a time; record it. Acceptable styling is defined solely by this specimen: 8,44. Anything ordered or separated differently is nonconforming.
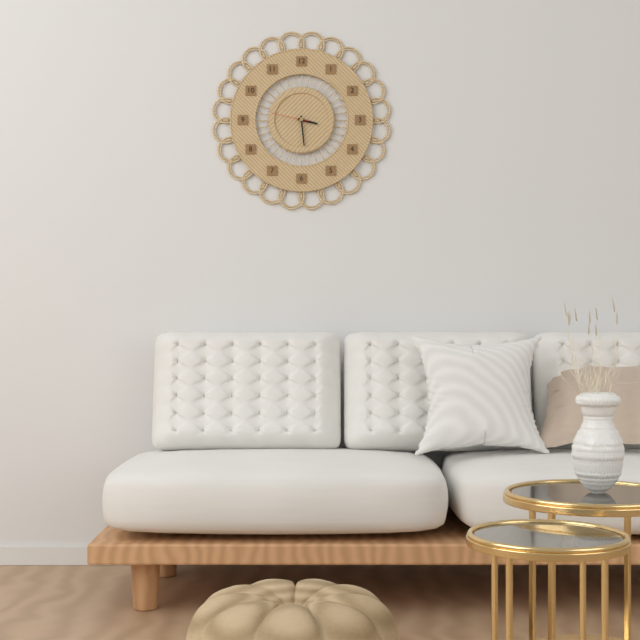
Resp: 3,29
